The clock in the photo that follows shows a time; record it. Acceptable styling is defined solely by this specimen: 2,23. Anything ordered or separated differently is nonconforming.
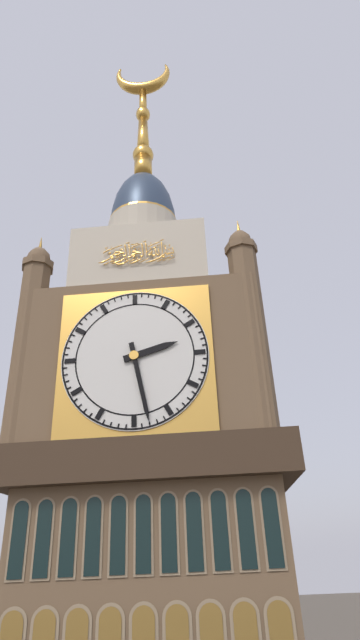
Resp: 2,28
